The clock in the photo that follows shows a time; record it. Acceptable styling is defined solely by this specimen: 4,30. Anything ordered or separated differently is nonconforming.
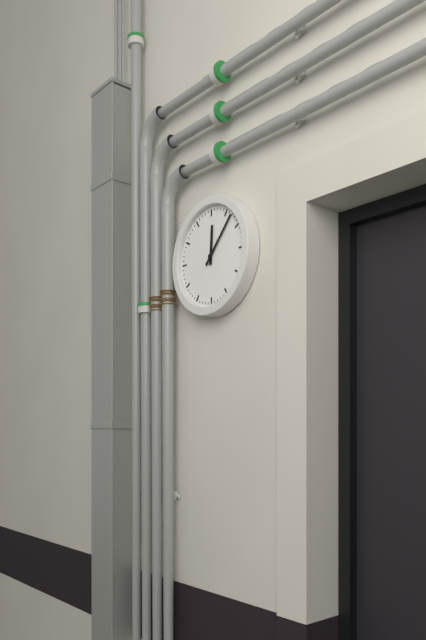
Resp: 12,07
